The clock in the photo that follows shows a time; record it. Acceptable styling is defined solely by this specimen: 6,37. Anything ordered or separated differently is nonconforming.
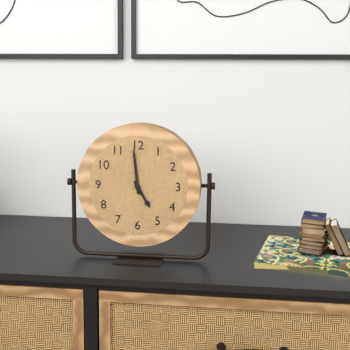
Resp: 4,59
